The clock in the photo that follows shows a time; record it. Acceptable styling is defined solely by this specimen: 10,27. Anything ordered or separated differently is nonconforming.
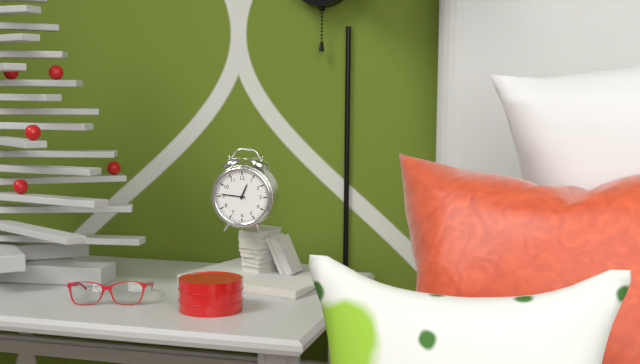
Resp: 12,46
